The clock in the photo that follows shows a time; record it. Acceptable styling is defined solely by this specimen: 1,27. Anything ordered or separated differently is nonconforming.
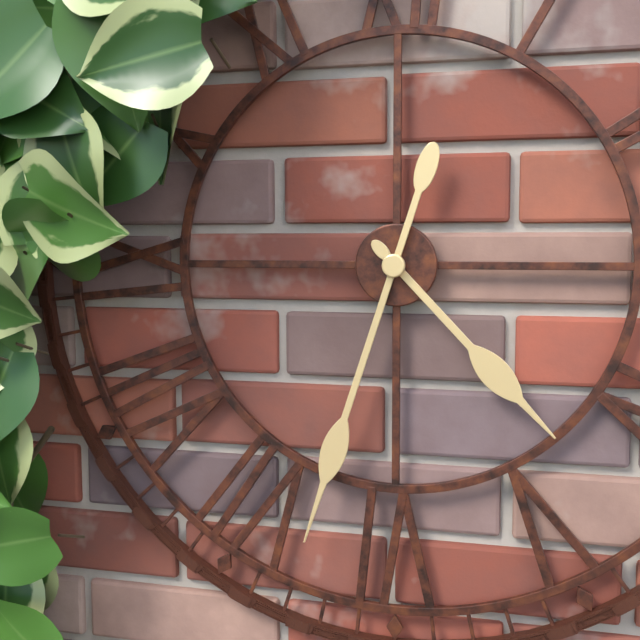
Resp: 4,33
